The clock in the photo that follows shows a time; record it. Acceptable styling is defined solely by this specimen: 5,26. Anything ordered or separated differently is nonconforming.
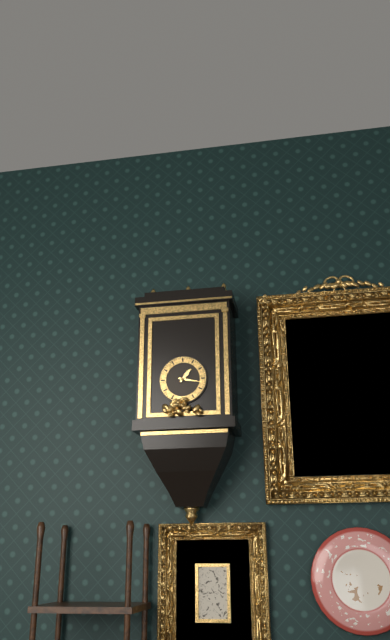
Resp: 1,17
